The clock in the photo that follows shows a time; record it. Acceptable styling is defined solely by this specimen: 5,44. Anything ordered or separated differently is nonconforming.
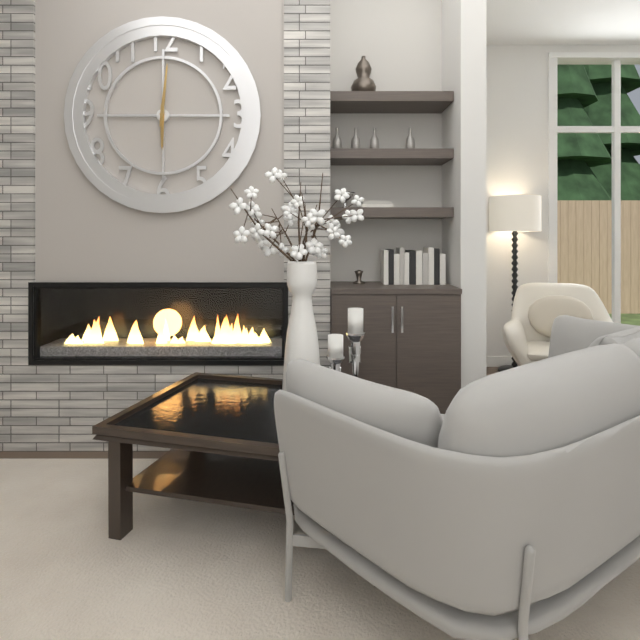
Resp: 6,01
